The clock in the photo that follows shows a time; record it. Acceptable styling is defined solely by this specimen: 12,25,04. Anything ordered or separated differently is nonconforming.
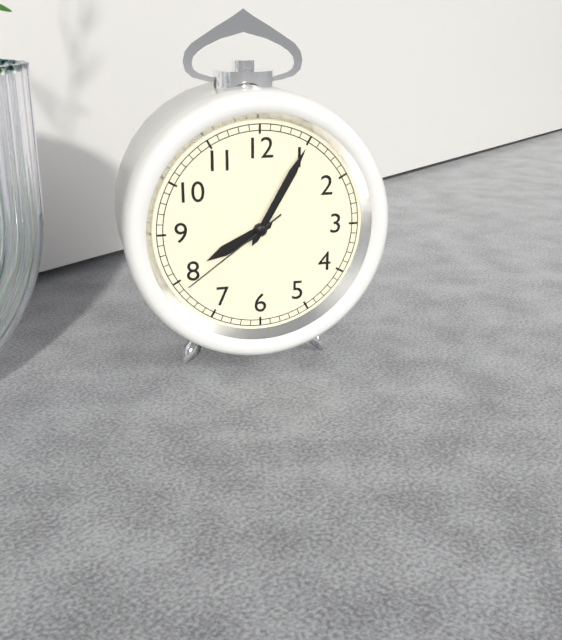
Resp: 8,05,39
